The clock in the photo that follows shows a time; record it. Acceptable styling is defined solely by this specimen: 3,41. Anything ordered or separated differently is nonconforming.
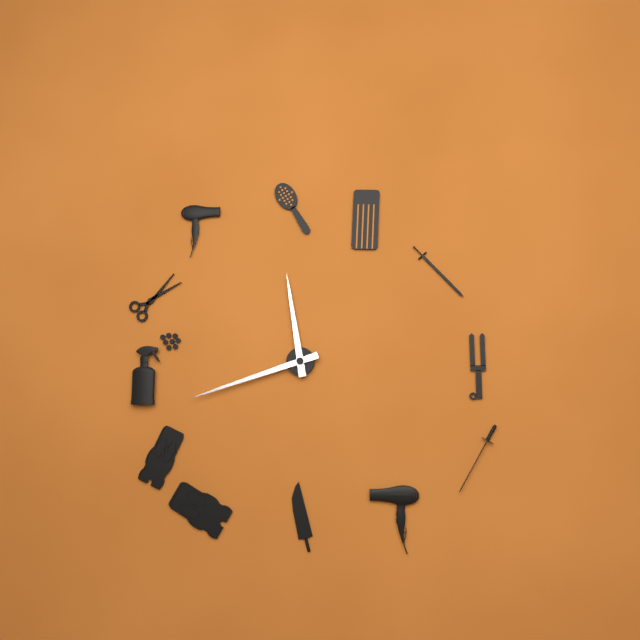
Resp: 11,42
